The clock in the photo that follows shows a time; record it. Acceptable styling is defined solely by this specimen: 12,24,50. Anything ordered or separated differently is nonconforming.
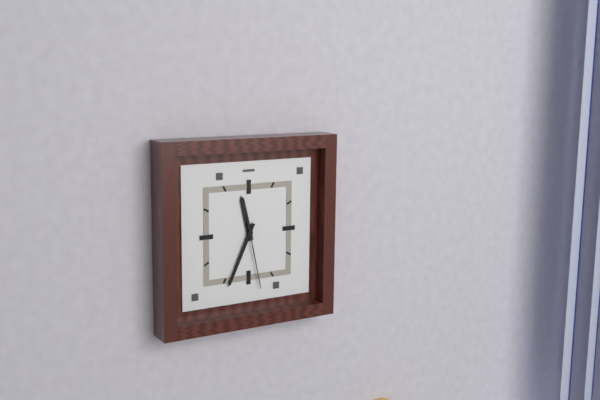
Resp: 11,34,28
